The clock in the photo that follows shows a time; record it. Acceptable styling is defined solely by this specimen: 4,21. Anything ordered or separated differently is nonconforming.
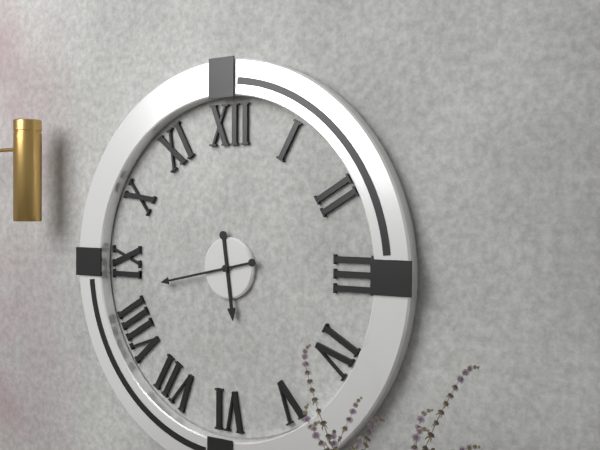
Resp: 5,43
